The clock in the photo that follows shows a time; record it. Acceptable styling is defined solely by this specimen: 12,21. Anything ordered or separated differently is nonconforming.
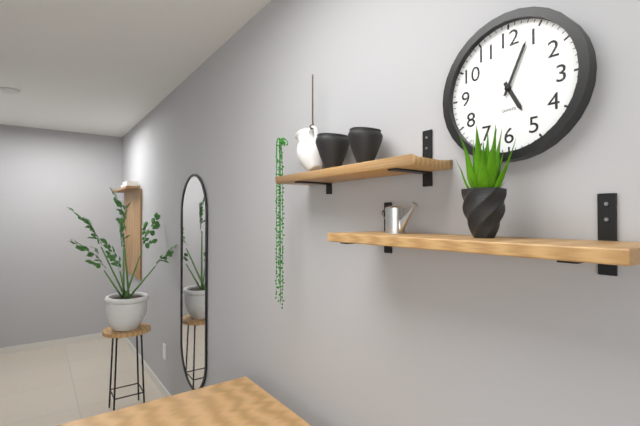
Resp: 5,04
